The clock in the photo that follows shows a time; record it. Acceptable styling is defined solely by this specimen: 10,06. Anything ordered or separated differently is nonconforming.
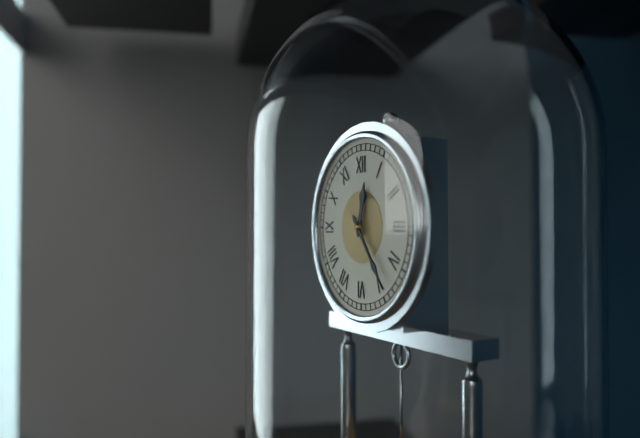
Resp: 12,24
